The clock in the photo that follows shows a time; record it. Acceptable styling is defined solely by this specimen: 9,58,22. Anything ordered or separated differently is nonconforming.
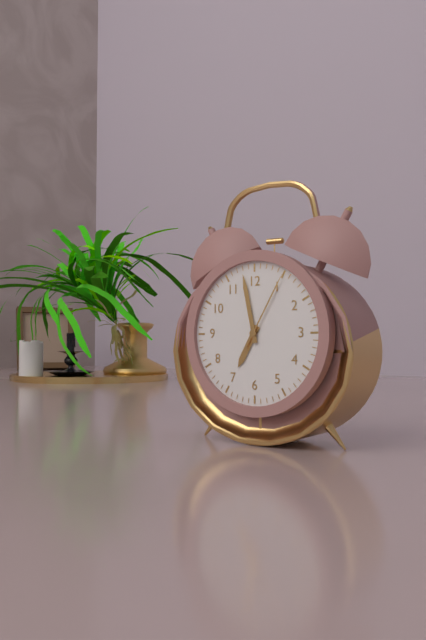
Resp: 6,58,05
